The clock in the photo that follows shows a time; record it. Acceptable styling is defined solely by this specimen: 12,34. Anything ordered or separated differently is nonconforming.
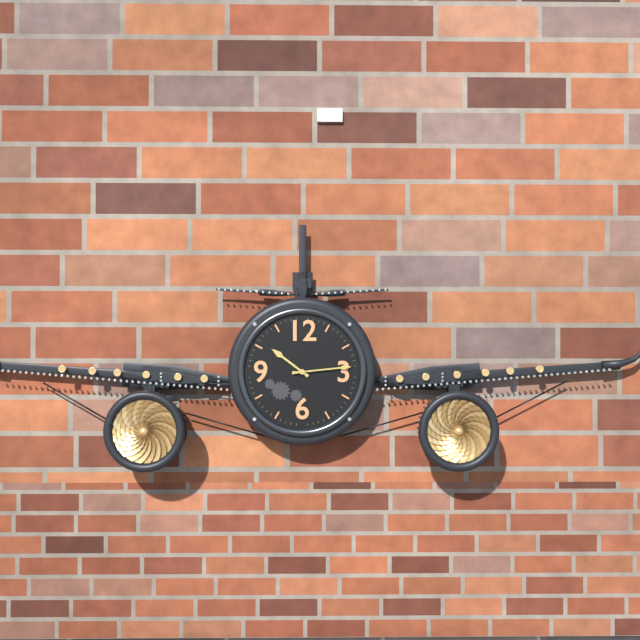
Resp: 10,14
